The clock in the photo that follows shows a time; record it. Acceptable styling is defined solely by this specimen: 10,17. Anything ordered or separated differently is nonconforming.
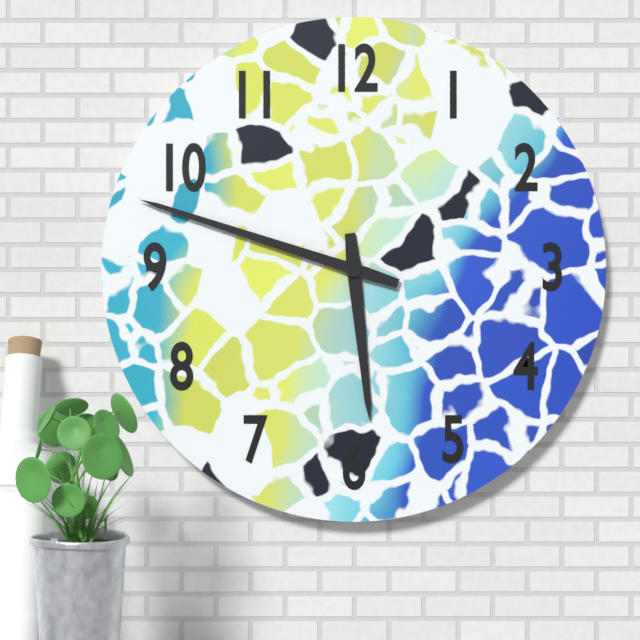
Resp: 5,48
